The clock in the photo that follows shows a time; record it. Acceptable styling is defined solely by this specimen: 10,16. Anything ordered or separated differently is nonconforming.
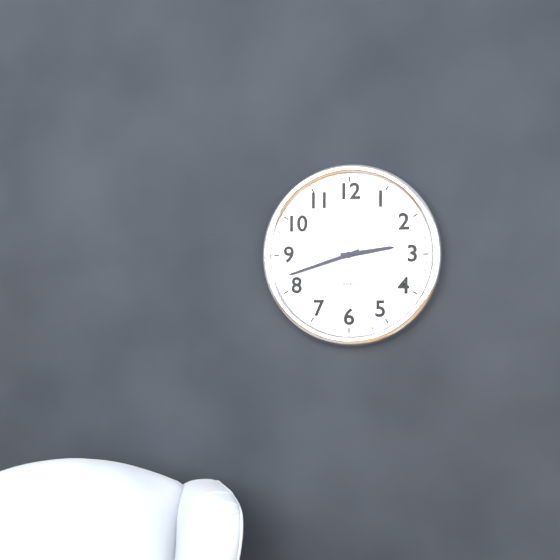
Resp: 2,42
